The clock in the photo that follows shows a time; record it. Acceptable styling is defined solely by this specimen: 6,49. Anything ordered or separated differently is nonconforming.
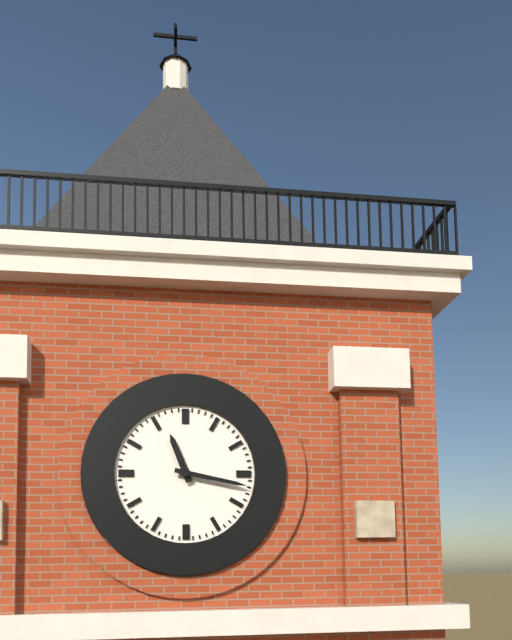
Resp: 11,17
